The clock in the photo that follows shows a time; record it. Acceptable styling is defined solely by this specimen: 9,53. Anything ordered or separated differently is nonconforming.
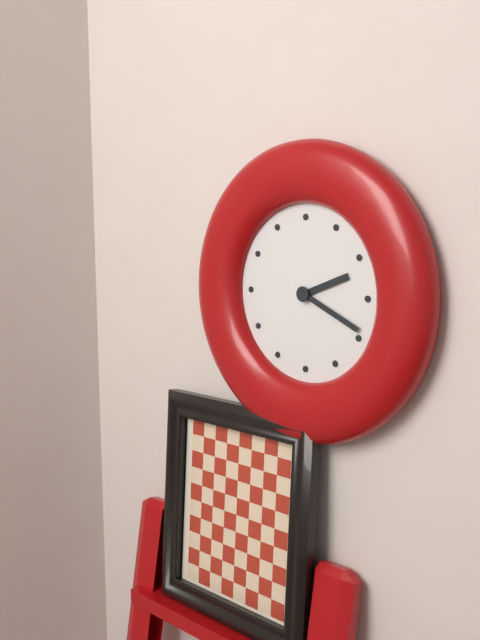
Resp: 2,19
